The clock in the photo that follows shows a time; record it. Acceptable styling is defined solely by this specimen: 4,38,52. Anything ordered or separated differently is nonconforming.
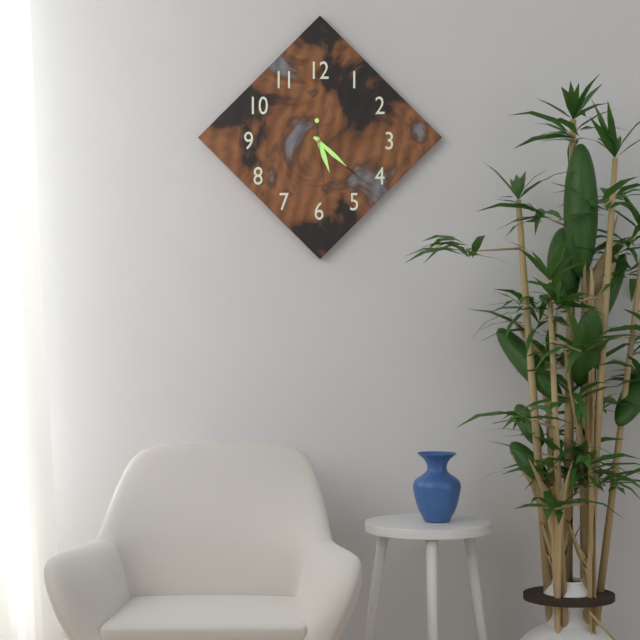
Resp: 5,22,29
